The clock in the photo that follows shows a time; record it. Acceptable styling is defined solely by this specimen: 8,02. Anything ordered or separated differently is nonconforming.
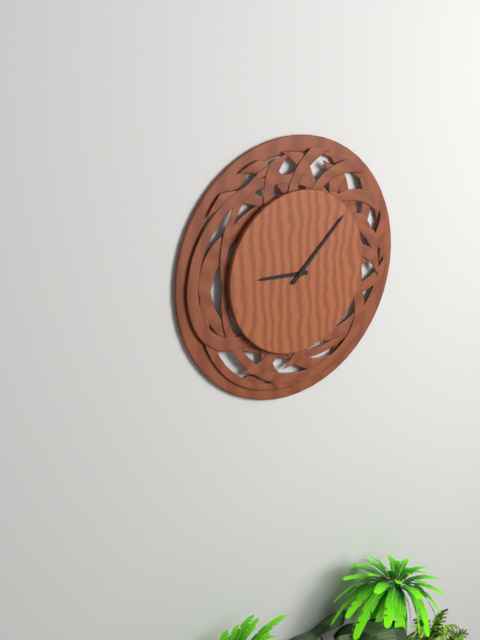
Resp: 9,08
